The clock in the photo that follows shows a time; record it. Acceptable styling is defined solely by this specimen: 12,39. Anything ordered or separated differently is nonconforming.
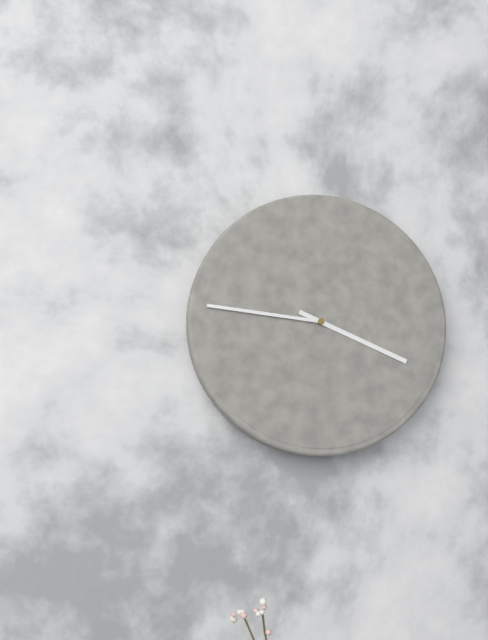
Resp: 3,46
